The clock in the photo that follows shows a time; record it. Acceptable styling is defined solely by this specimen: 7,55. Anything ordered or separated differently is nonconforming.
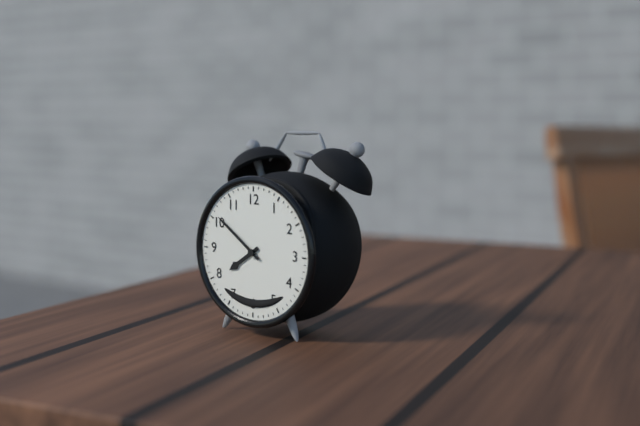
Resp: 7,51
